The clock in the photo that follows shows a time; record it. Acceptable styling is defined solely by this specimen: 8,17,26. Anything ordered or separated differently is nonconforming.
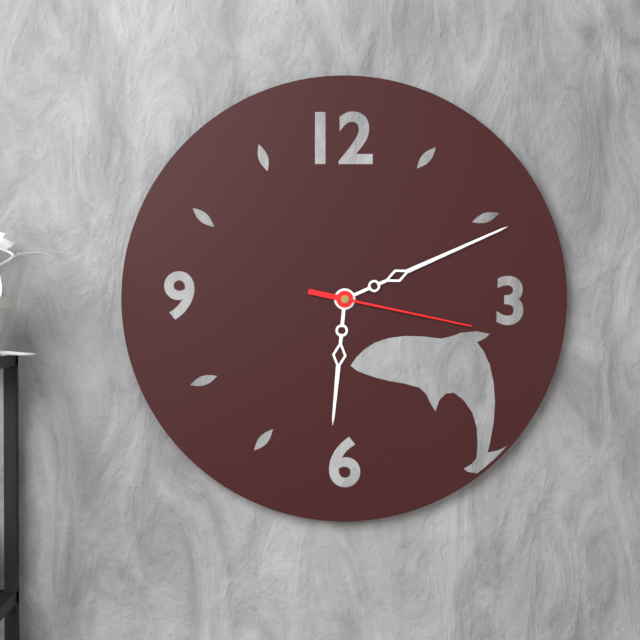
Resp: 6,11,17
